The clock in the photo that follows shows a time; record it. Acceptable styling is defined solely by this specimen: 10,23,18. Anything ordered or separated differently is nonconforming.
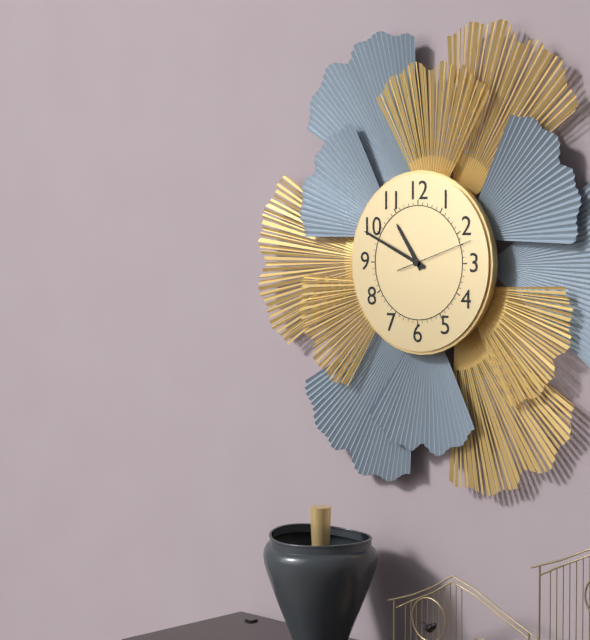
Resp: 10,49,12
